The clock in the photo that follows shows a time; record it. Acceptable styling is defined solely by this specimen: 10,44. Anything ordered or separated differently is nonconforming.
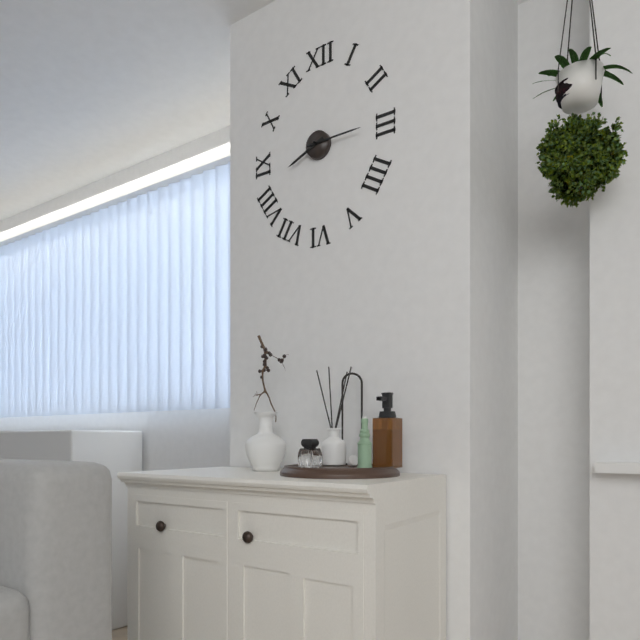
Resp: 8,15
